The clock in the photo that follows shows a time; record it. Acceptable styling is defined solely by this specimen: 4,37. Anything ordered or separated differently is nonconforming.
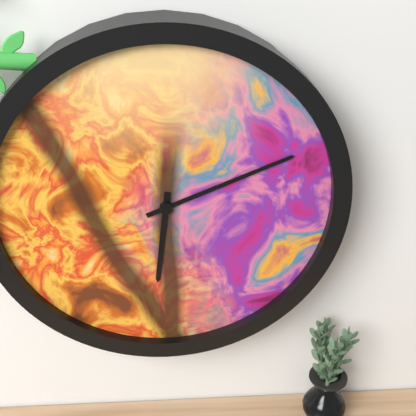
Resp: 6,11
